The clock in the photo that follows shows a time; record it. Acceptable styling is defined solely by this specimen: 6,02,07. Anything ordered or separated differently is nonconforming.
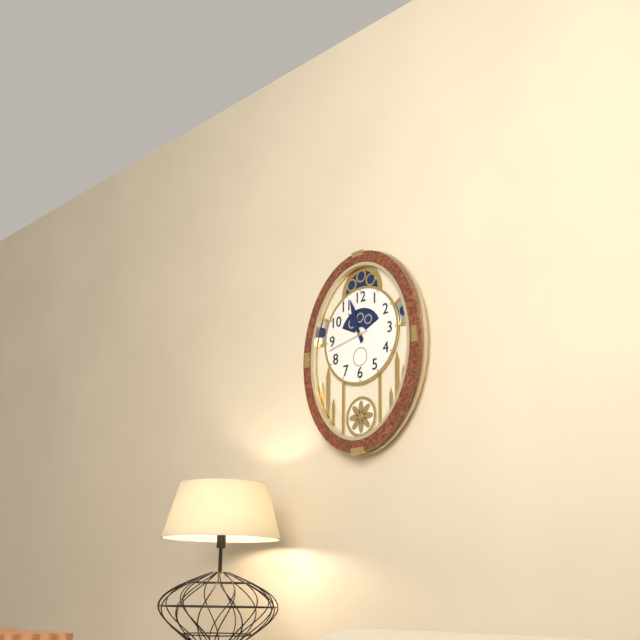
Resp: 10,57,43
